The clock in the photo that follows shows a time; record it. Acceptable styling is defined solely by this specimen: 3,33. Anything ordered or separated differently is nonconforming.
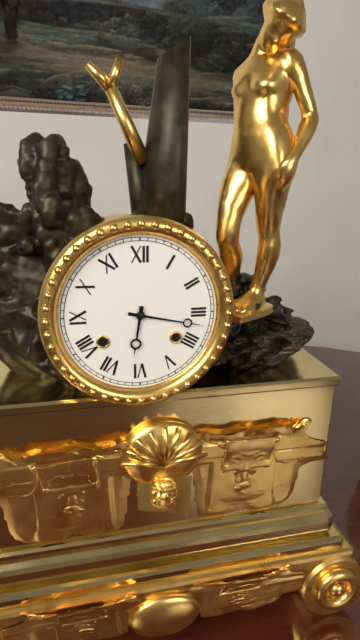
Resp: 6,17
